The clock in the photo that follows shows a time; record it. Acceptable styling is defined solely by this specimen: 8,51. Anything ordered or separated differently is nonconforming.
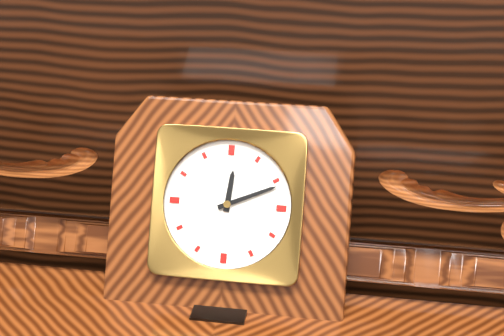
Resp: 12,11
